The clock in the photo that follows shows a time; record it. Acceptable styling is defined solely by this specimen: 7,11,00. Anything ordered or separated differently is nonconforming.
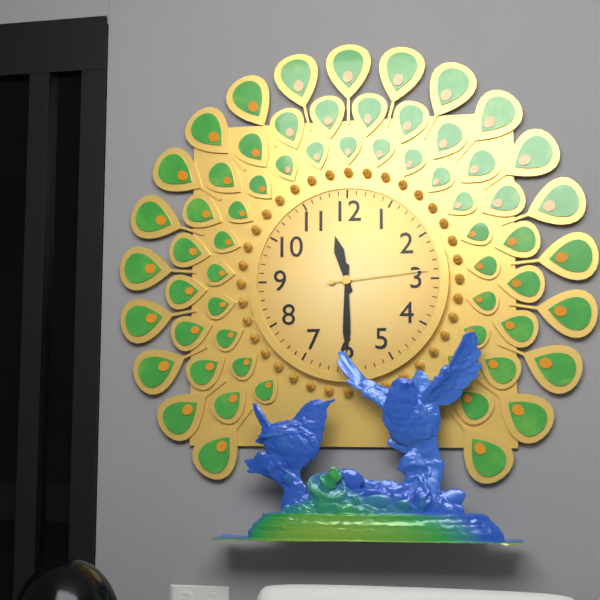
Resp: 11,30,14
